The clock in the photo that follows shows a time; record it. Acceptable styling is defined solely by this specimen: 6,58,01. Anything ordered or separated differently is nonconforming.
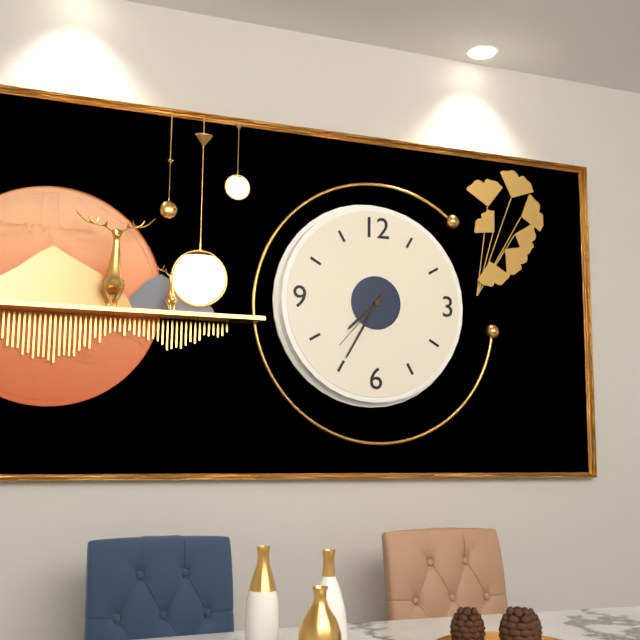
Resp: 7,35,37
